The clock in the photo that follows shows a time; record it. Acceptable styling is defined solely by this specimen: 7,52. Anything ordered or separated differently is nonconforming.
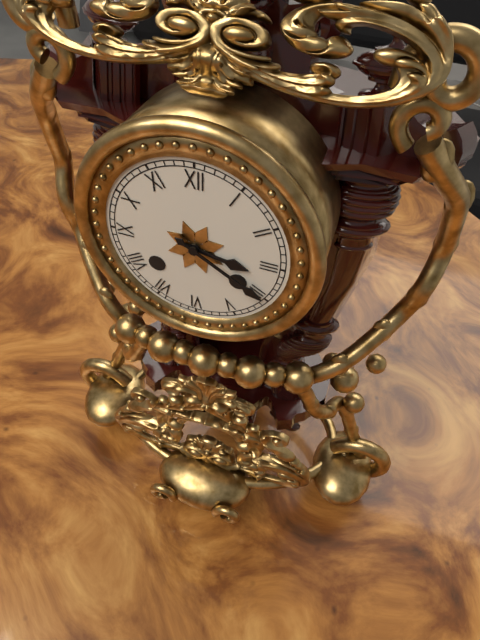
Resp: 3,20
